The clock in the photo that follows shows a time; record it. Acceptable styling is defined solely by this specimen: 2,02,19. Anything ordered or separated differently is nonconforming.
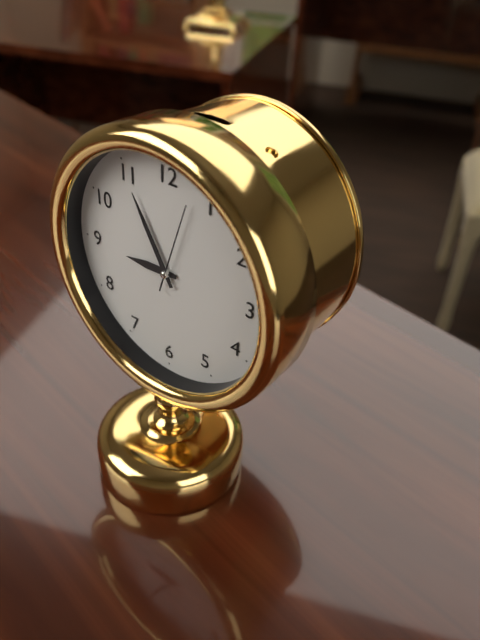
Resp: 8,55,03
